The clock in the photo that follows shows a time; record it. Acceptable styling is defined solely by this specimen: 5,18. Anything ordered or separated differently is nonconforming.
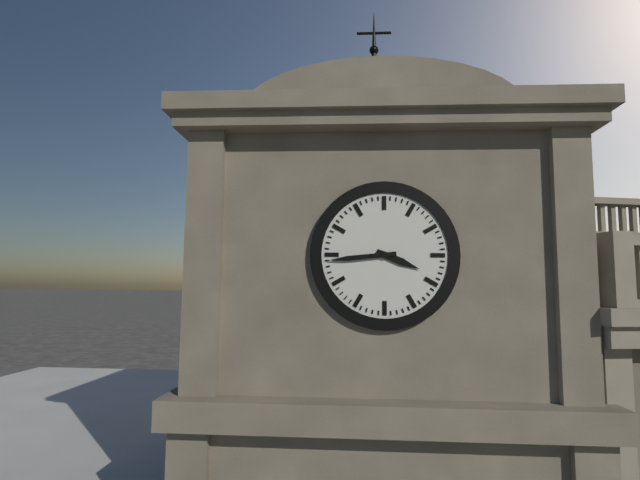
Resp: 3,44
